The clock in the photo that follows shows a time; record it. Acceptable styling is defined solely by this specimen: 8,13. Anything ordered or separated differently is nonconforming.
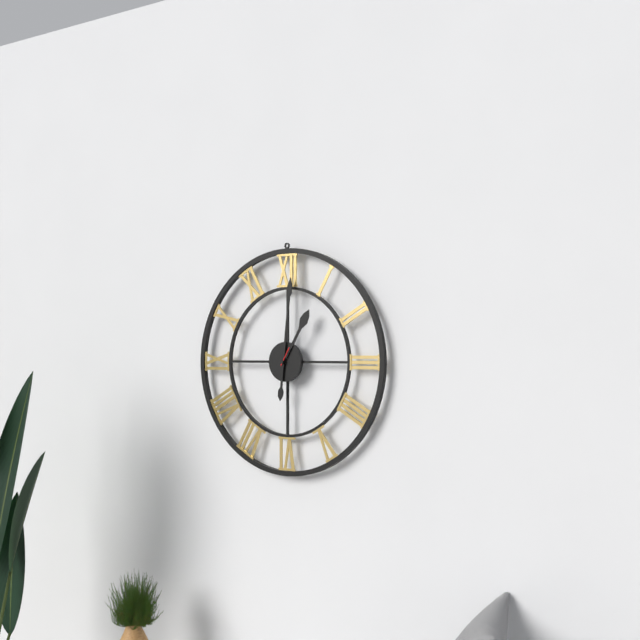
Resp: 1,01
